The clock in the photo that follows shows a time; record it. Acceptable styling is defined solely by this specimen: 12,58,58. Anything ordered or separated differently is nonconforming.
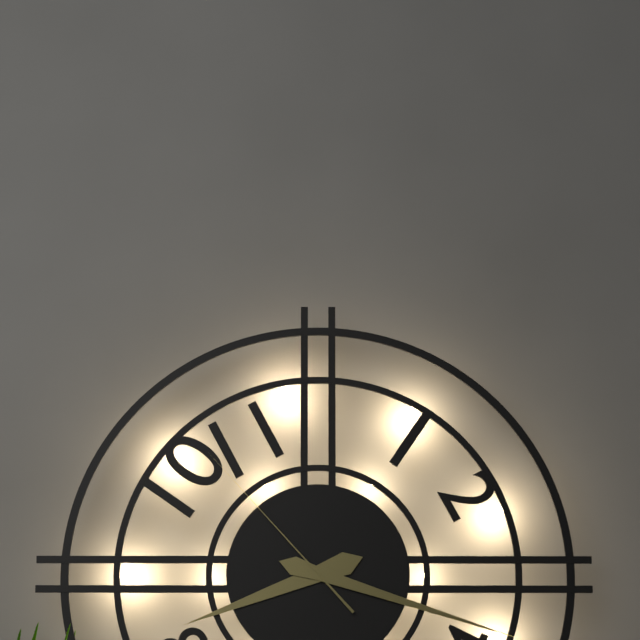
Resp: 8,18,53
